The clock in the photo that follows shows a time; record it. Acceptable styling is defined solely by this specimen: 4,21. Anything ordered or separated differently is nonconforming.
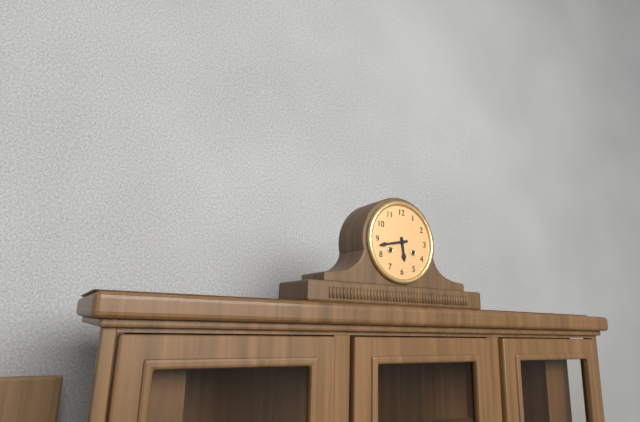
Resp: 5,43
